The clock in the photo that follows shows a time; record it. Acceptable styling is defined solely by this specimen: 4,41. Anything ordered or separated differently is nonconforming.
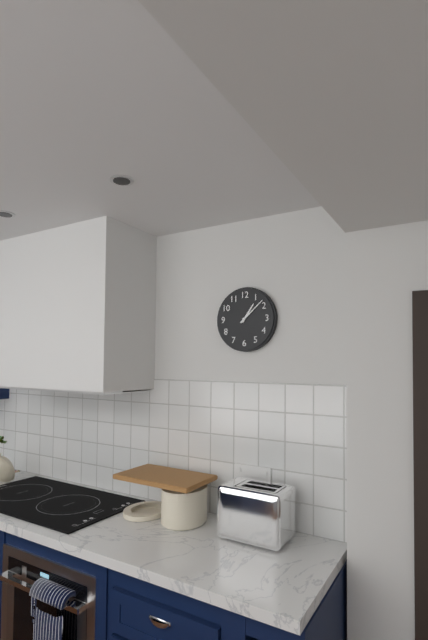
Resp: 1,08
